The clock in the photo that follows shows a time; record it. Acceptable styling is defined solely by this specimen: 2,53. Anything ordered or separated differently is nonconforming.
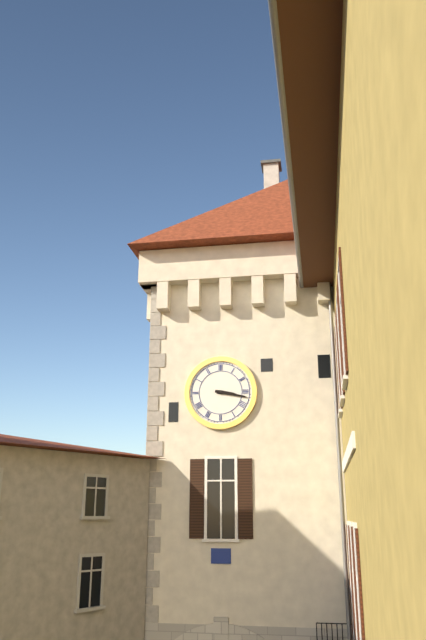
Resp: 3,17
